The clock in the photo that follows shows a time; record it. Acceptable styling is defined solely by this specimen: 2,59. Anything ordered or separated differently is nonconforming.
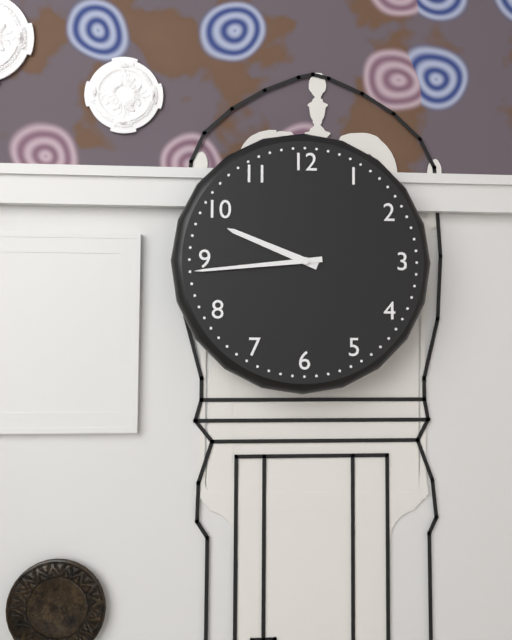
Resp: 9,44
